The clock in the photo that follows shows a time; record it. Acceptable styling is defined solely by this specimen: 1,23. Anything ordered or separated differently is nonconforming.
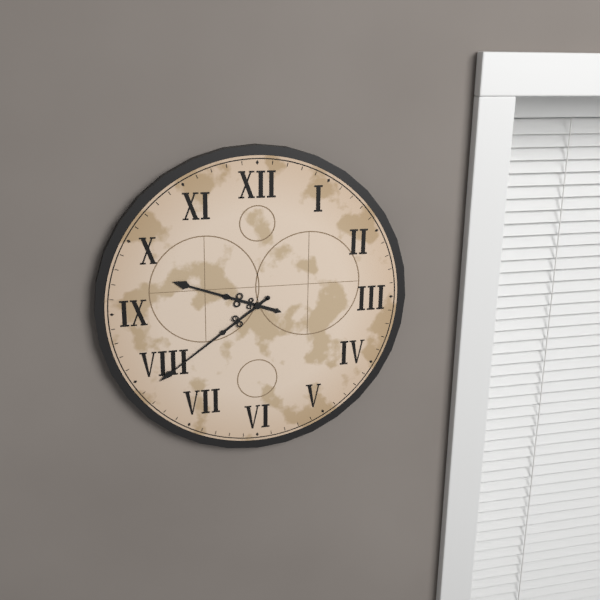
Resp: 9,39
